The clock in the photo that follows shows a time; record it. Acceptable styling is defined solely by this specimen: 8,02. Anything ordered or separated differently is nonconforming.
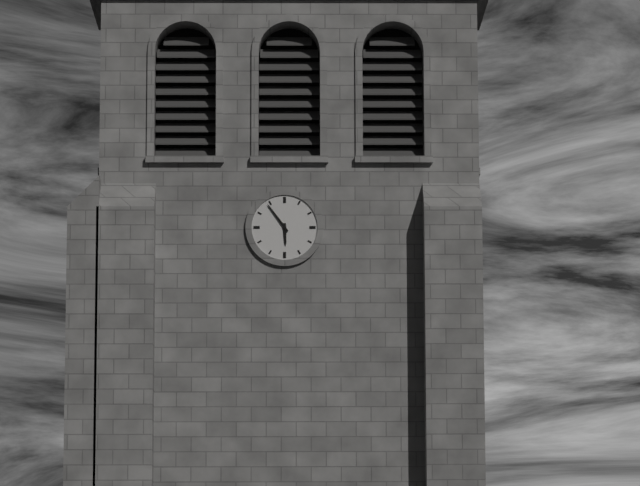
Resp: 5,54
